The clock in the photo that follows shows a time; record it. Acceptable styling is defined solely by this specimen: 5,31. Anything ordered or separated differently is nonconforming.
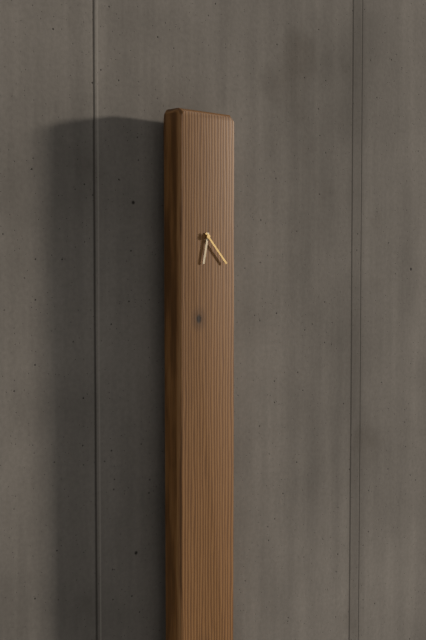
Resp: 6,23
